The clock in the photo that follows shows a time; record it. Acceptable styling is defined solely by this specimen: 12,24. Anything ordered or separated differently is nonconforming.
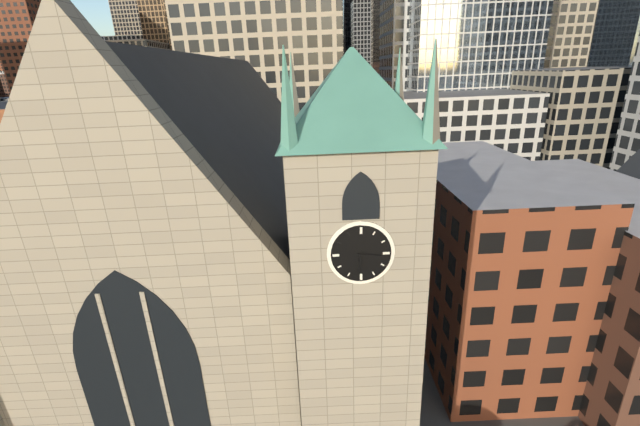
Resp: 6,16
